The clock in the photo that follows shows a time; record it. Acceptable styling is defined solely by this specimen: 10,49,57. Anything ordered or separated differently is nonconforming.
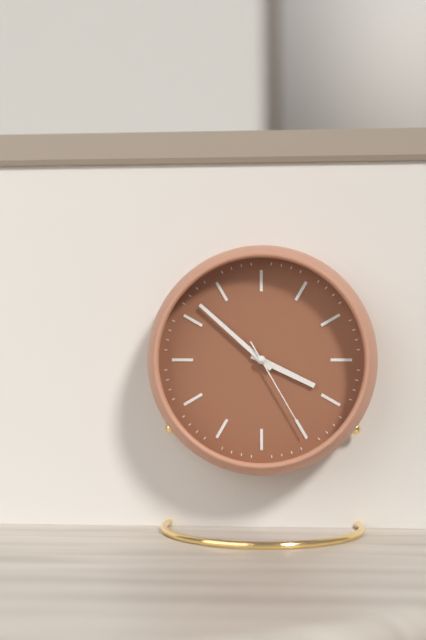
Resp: 3,52,25
